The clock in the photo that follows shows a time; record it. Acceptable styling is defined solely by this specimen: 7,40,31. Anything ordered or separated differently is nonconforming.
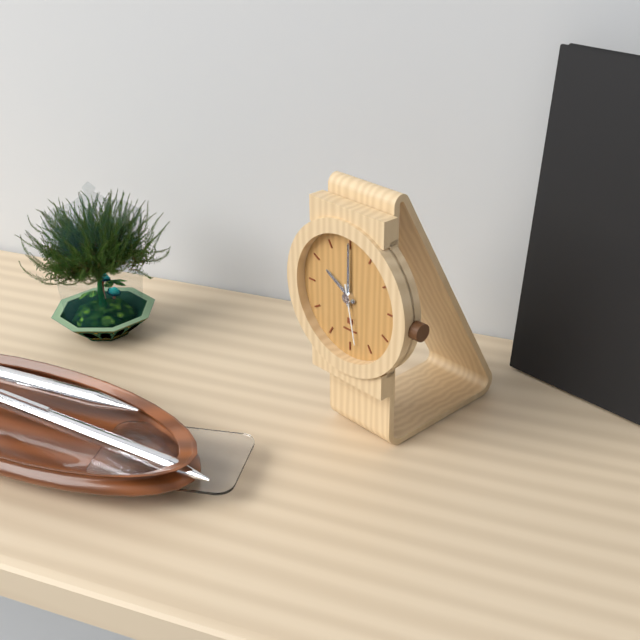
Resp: 10,00,28
